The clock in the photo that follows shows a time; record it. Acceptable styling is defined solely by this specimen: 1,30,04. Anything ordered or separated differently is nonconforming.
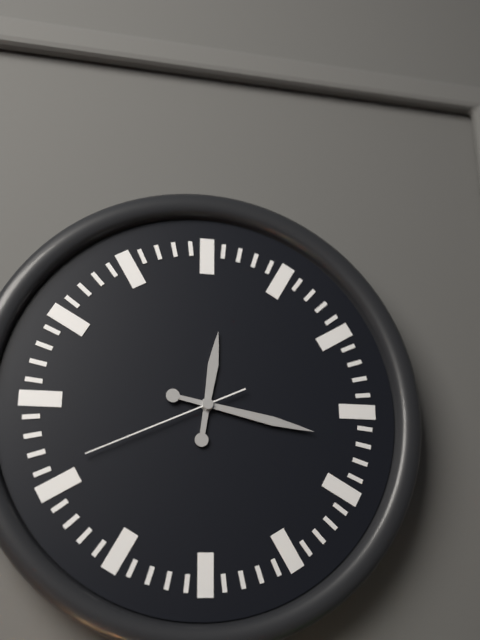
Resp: 12,17,41
